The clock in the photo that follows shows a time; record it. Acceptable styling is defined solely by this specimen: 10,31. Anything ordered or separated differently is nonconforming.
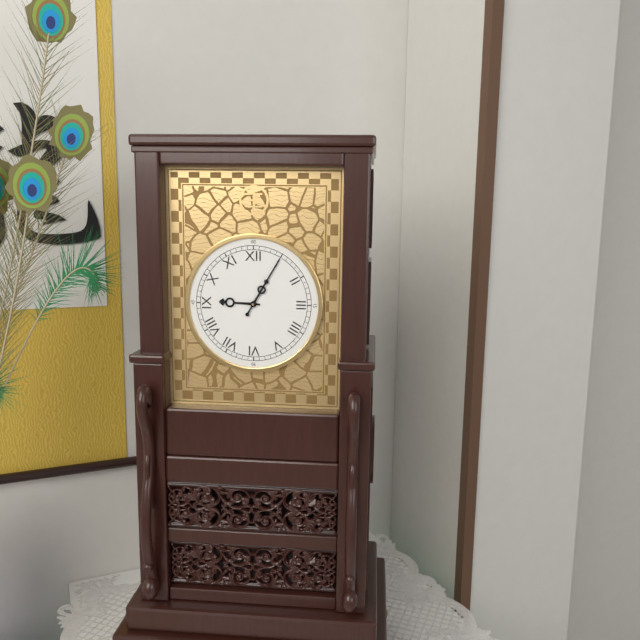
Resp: 9,05
